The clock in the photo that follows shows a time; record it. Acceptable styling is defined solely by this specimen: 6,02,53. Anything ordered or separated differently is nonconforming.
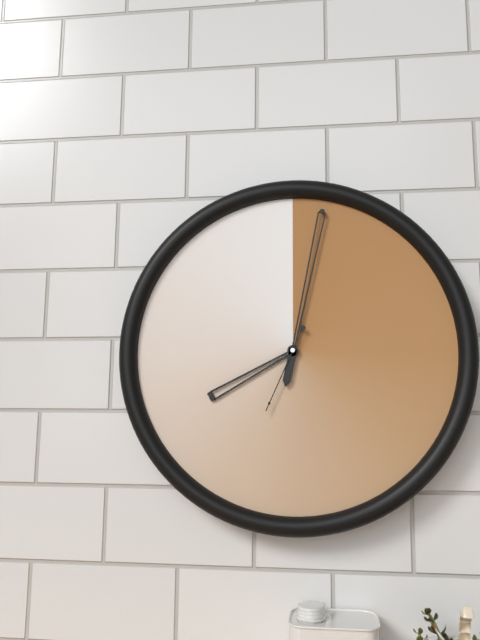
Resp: 8,02,34
